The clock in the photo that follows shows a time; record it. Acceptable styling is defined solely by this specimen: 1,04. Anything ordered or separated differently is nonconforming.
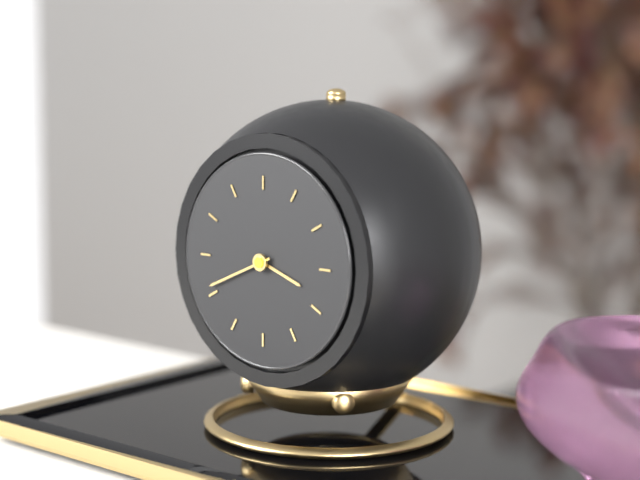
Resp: 3,41
